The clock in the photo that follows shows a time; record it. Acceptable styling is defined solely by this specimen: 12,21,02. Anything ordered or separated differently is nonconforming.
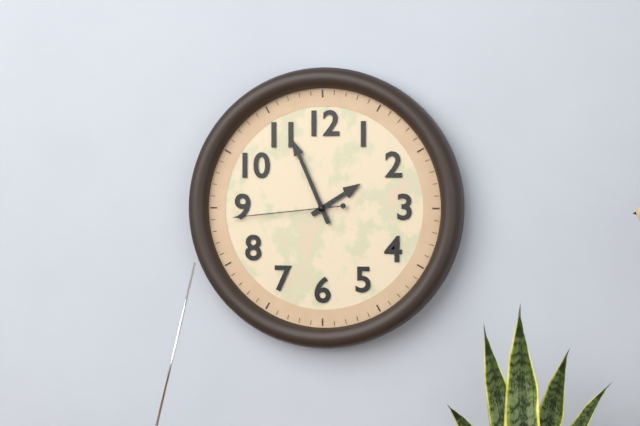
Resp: 1,56,44
